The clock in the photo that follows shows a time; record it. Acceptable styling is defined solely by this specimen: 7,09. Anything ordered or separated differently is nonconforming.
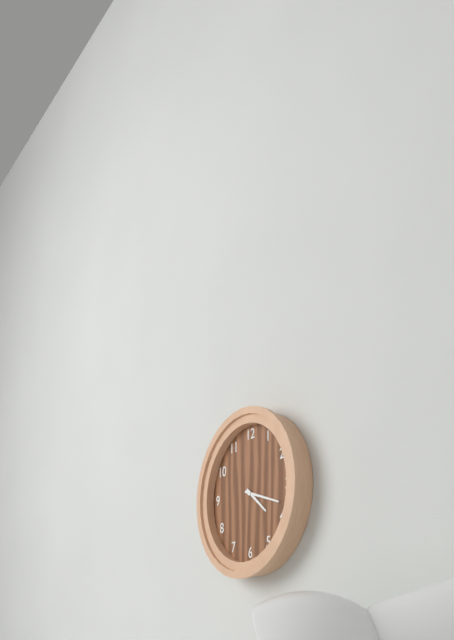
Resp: 4,18
